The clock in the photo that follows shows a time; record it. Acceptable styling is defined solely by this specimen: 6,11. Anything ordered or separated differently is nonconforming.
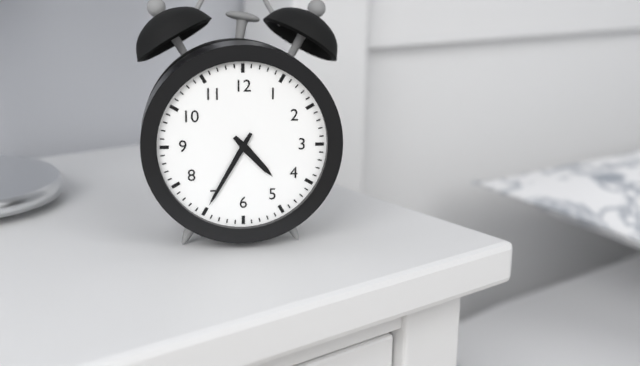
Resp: 4,35
